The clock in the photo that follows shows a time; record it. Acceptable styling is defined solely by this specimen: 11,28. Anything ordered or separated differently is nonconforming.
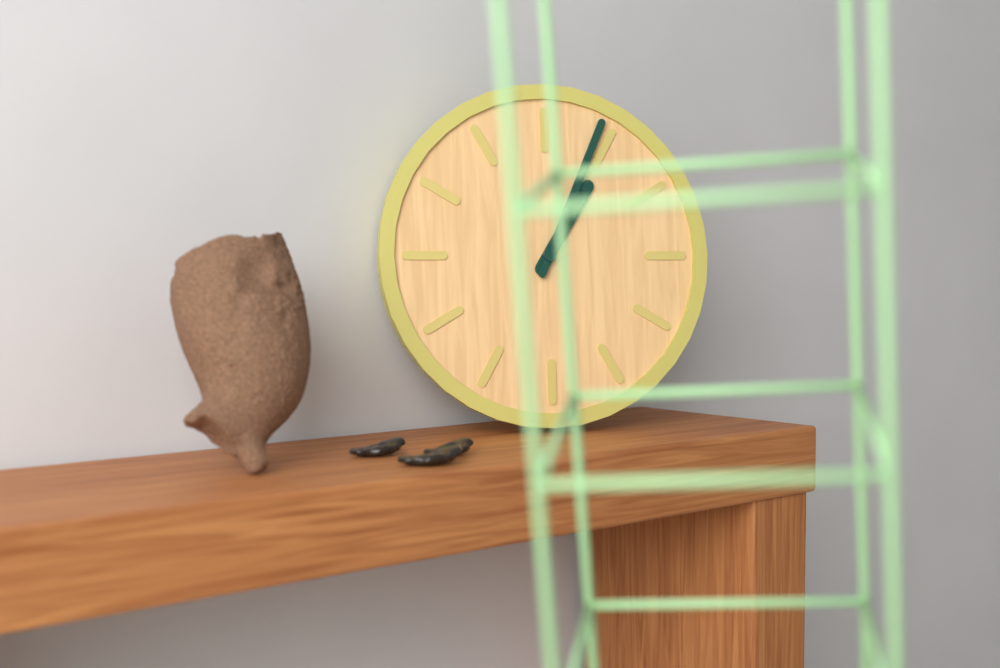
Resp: 1,04
